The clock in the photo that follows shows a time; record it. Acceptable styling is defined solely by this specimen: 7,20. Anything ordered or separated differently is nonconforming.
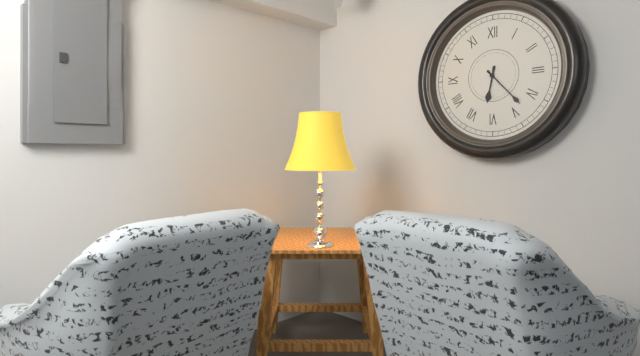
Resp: 6,23
